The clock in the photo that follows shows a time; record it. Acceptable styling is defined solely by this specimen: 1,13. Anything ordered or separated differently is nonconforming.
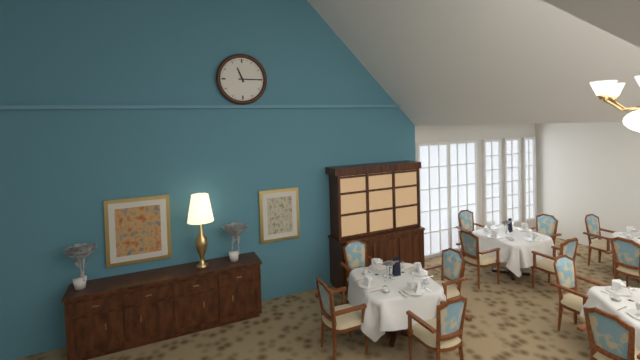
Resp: 11,15
